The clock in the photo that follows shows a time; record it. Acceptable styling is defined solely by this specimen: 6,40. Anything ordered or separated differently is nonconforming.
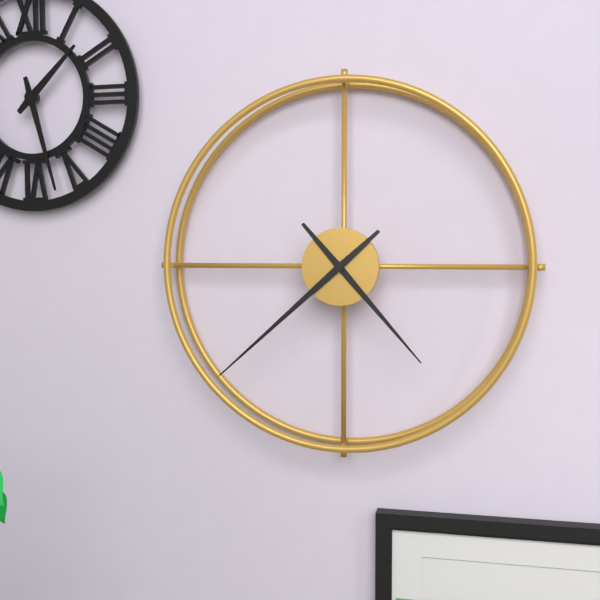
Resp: 4,38
